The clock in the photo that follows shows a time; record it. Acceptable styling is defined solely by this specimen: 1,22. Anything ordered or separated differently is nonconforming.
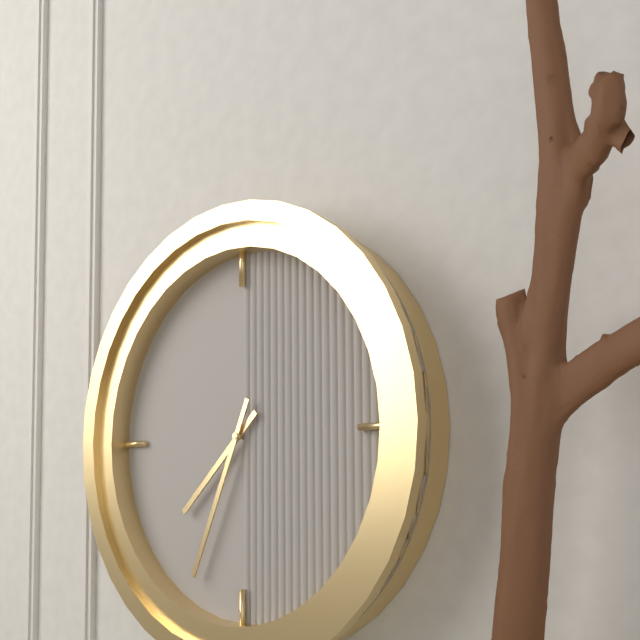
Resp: 7,34
